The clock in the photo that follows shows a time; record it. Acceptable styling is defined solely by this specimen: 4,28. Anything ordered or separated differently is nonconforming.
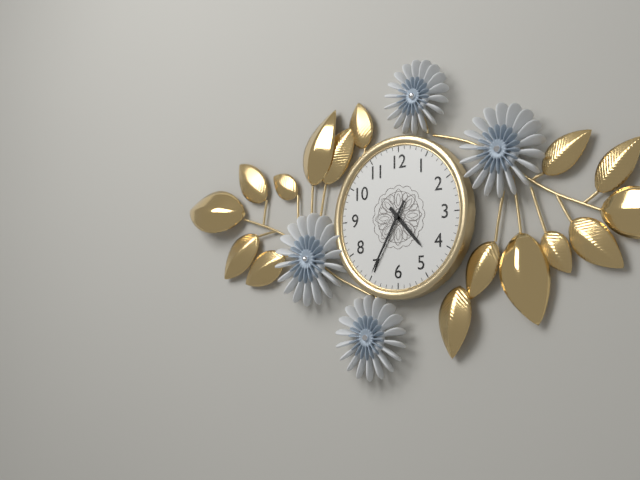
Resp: 4,35
